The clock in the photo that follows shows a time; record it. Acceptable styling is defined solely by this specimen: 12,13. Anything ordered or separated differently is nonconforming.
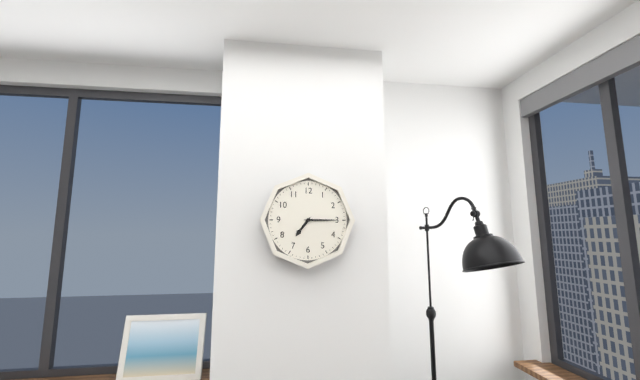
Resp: 7,15
